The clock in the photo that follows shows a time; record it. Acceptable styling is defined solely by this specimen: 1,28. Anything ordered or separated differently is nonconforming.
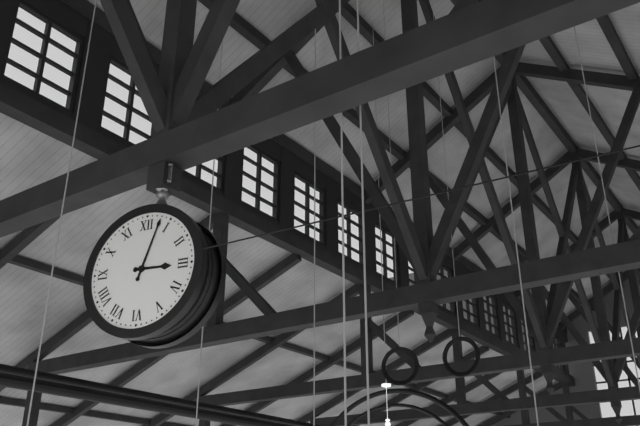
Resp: 3,03
